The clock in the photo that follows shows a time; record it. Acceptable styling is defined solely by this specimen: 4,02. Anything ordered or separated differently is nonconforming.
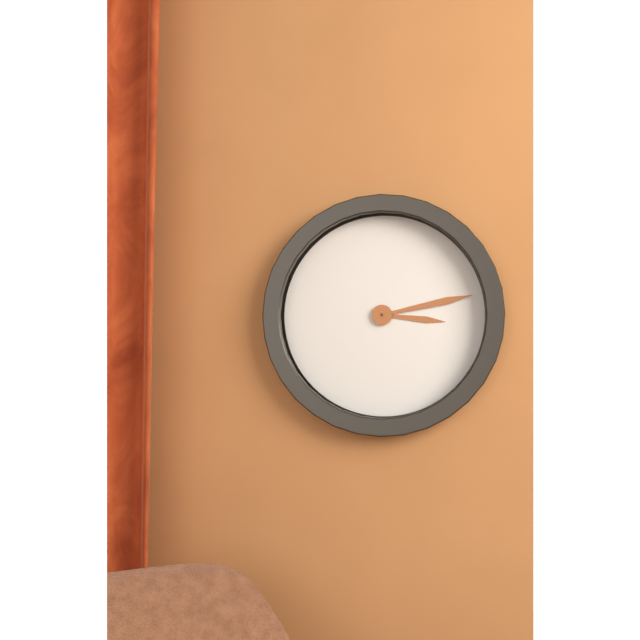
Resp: 3,13
